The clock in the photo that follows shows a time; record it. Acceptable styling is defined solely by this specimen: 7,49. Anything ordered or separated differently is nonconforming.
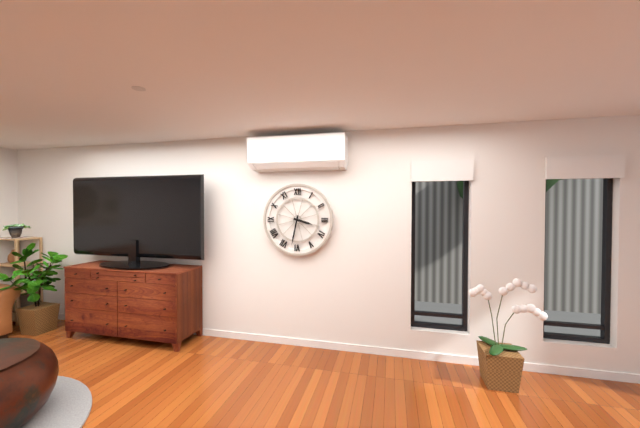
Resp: 3,32
